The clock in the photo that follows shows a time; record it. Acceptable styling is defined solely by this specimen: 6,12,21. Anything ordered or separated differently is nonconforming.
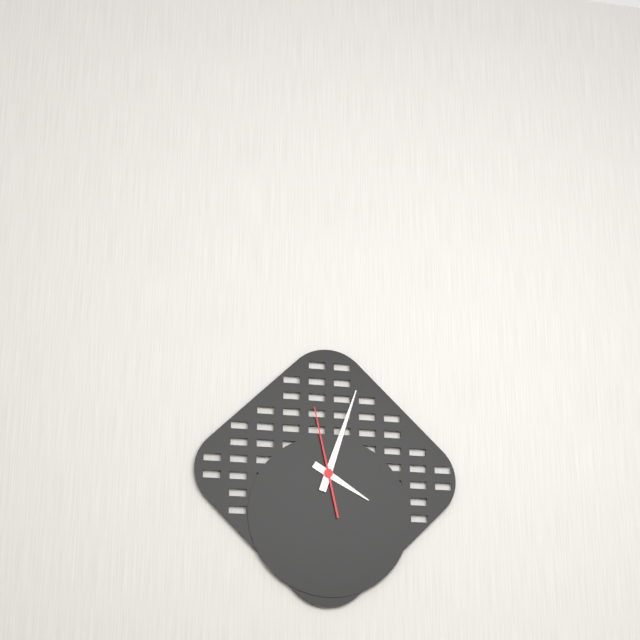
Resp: 4,03,58
